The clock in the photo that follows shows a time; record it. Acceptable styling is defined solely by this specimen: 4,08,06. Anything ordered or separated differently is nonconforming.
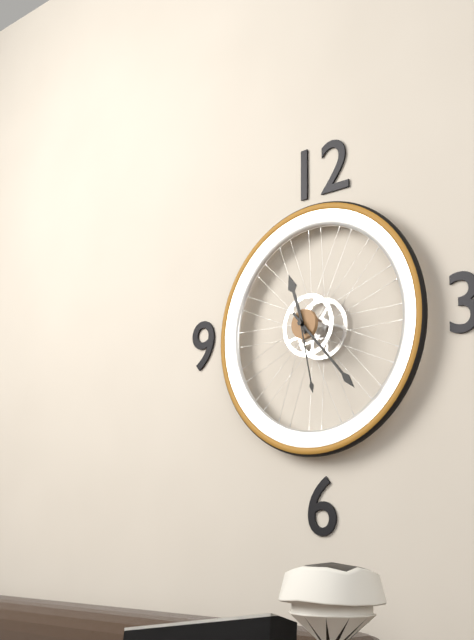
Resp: 11,23,28
